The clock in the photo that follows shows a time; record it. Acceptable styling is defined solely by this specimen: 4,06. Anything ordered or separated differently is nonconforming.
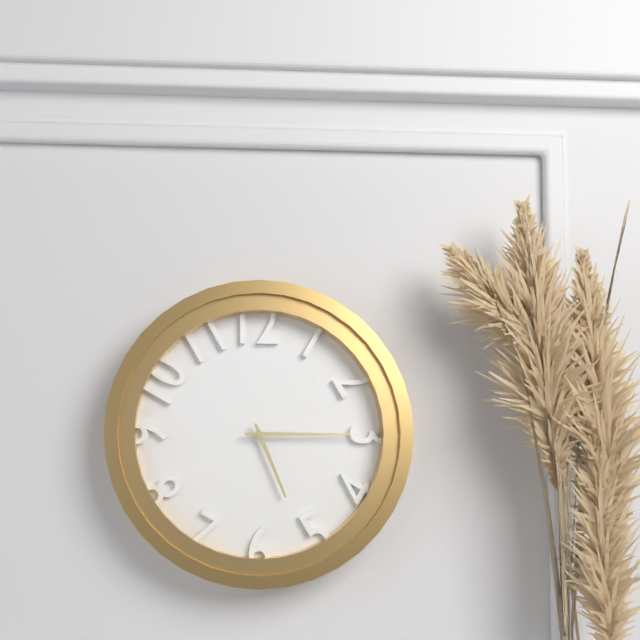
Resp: 5,15
